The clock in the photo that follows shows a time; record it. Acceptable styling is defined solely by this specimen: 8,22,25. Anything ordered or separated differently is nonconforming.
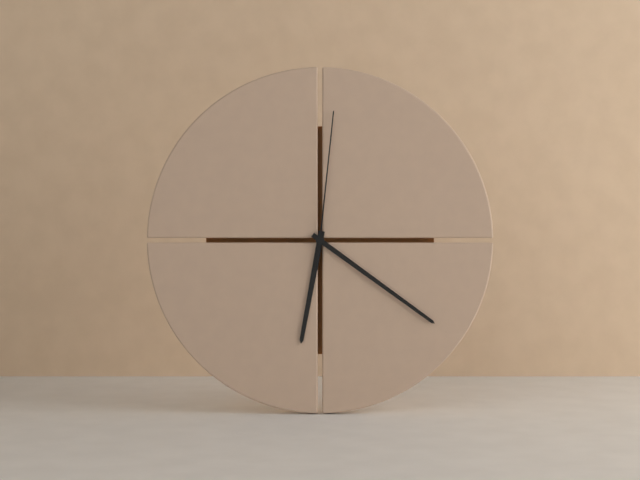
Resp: 6,21,01
